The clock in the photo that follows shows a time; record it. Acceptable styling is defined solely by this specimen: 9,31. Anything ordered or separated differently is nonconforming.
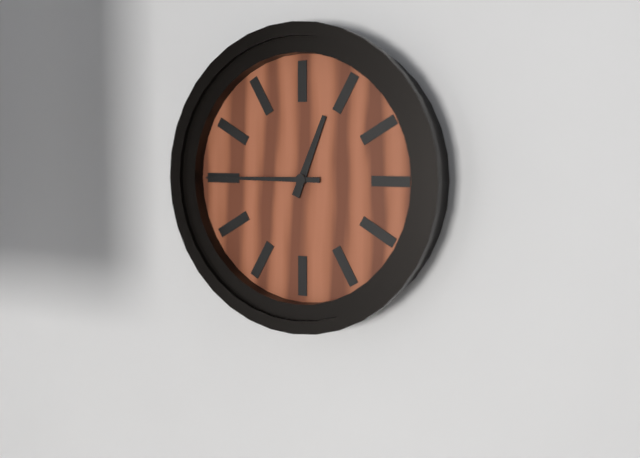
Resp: 12,45
